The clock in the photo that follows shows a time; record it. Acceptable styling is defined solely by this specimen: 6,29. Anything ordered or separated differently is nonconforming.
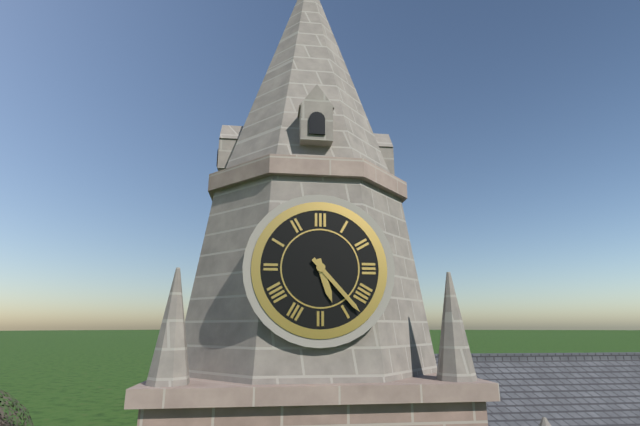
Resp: 5,23
